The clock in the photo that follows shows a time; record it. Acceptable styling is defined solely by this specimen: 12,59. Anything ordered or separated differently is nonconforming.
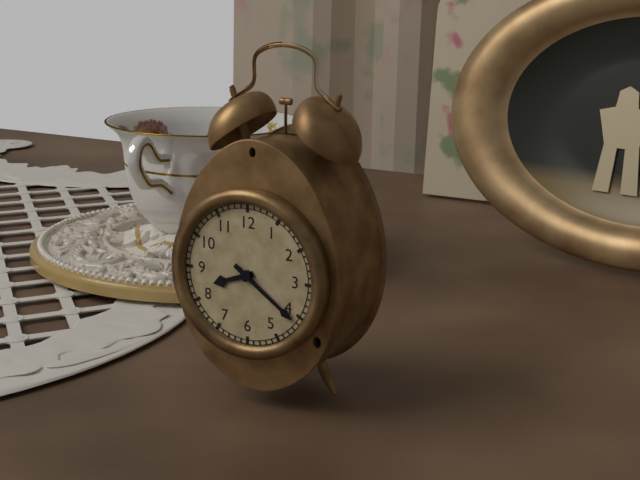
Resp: 8,21
